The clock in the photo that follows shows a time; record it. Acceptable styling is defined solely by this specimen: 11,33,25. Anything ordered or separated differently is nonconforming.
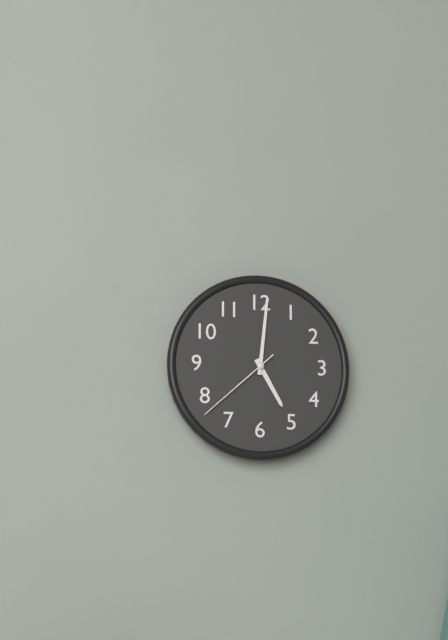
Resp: 5,01,38
